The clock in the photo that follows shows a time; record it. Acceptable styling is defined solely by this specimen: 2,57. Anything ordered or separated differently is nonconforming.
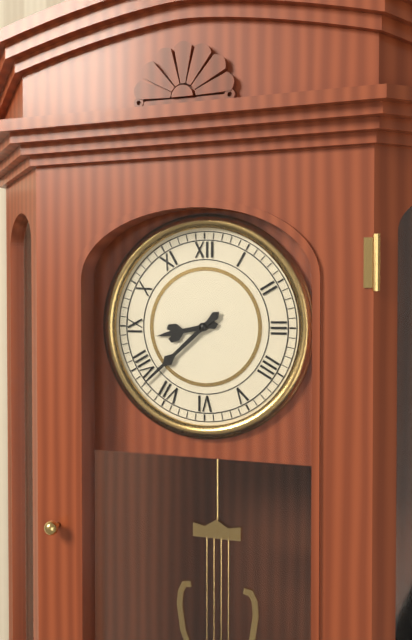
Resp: 8,38
